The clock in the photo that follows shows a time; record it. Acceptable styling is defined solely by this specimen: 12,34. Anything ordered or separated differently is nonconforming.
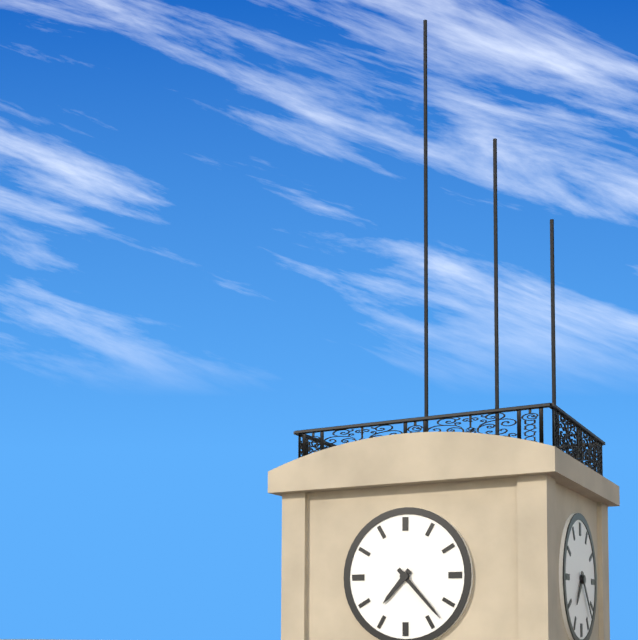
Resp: 7,23
